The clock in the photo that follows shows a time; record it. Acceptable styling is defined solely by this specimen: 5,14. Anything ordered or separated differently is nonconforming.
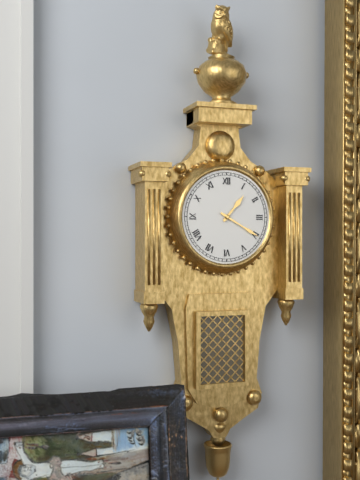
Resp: 1,20
